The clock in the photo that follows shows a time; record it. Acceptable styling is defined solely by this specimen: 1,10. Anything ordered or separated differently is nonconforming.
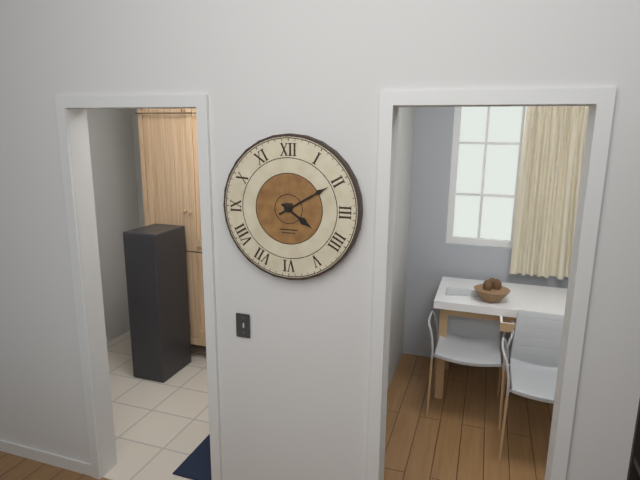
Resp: 4,10
